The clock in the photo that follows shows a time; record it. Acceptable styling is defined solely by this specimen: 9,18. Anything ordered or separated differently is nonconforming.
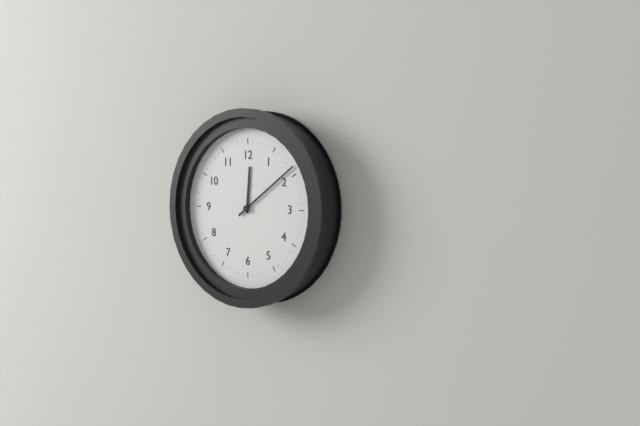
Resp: 12,09
